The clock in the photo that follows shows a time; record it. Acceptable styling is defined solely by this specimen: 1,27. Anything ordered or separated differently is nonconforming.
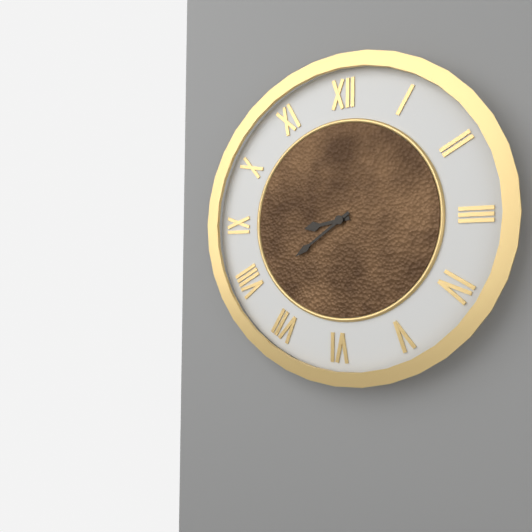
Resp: 8,39
